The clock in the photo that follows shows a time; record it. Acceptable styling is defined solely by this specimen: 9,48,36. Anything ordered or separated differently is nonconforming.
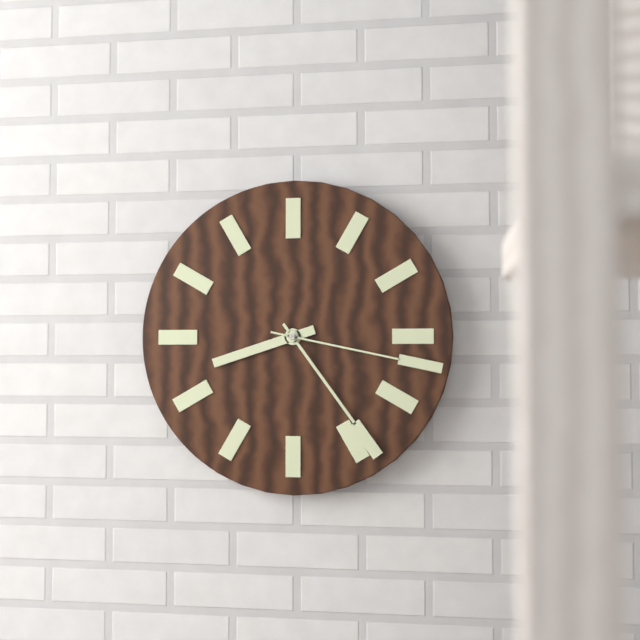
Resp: 8,24,17
